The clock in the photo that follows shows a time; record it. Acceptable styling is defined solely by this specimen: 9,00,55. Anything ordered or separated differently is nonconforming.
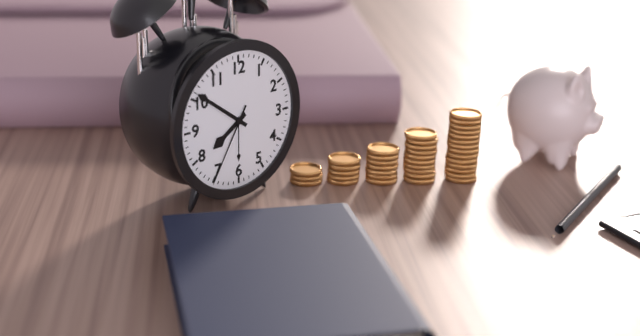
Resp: 7,51,35
